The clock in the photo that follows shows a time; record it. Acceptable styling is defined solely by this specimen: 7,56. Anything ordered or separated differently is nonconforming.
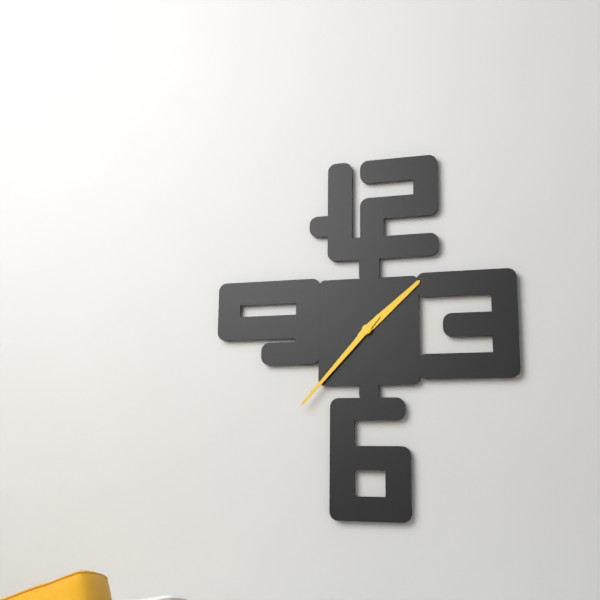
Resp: 1,37
